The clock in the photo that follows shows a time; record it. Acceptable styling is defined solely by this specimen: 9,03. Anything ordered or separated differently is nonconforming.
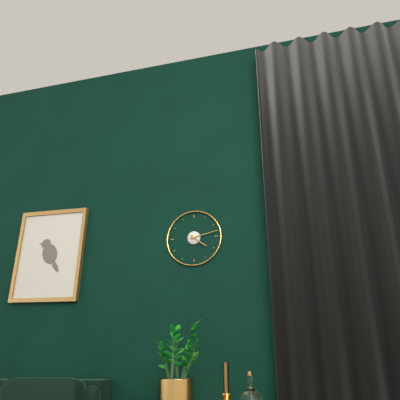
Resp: 4,13
